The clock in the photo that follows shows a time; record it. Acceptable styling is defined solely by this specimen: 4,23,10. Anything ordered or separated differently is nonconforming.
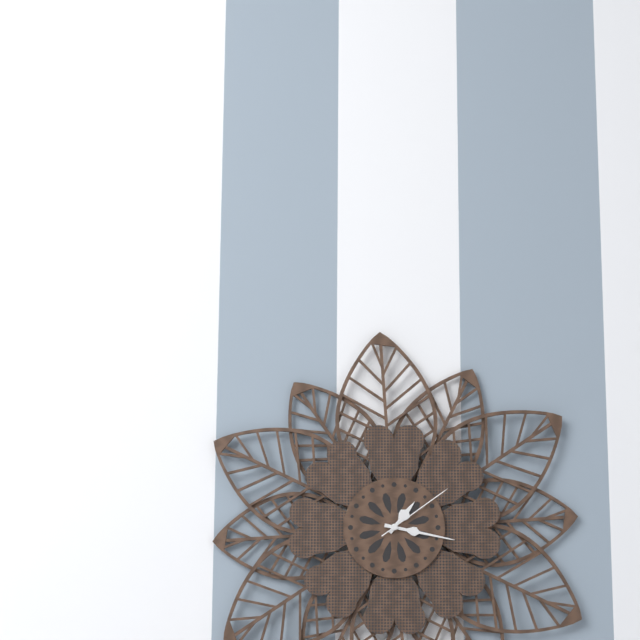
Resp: 1,17,09
